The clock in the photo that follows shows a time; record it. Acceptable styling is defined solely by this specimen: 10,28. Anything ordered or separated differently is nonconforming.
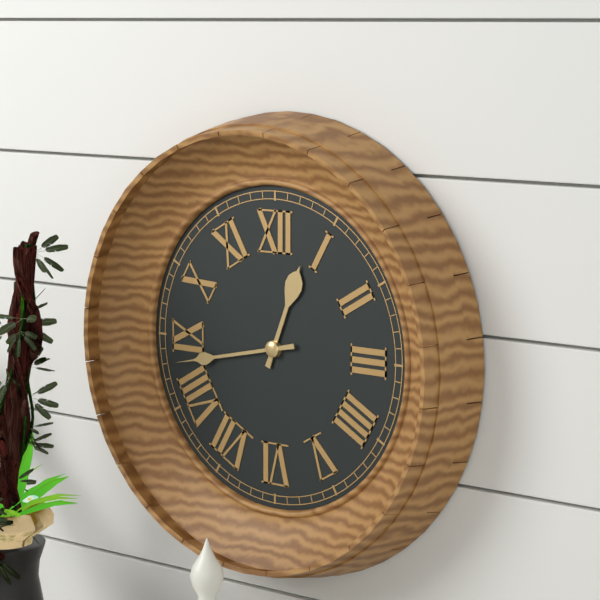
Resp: 12,43
